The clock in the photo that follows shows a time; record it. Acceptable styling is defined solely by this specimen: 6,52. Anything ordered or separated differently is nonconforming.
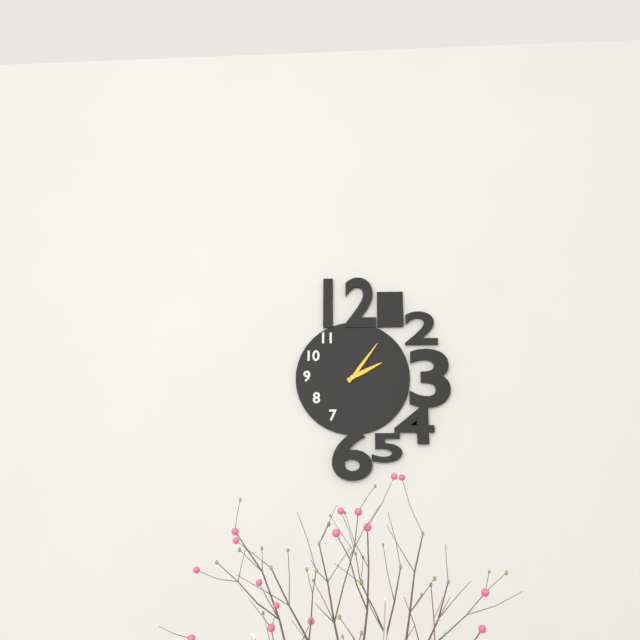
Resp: 2,06
